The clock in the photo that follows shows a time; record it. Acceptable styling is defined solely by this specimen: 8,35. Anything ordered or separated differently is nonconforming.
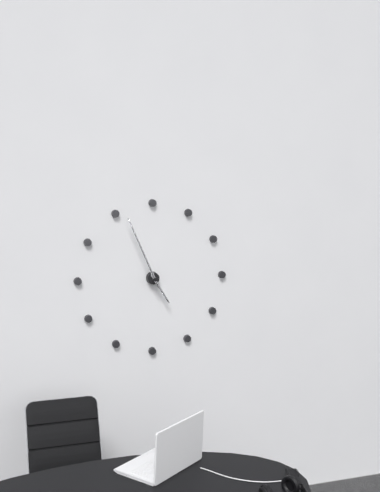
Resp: 4,56
